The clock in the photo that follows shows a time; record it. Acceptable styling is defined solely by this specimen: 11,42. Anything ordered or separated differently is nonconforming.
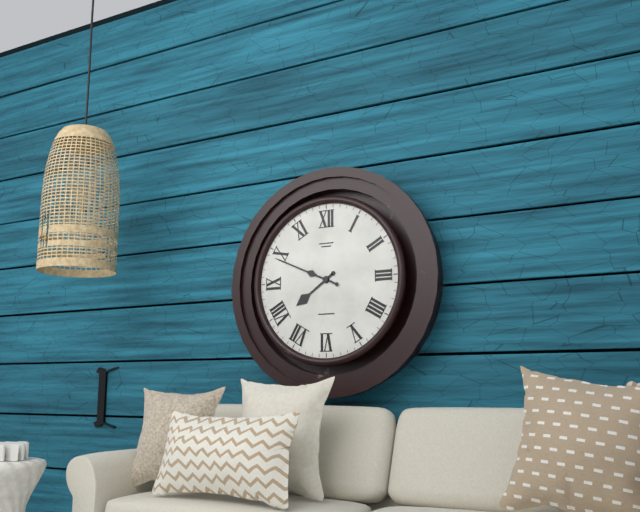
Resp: 7,49
